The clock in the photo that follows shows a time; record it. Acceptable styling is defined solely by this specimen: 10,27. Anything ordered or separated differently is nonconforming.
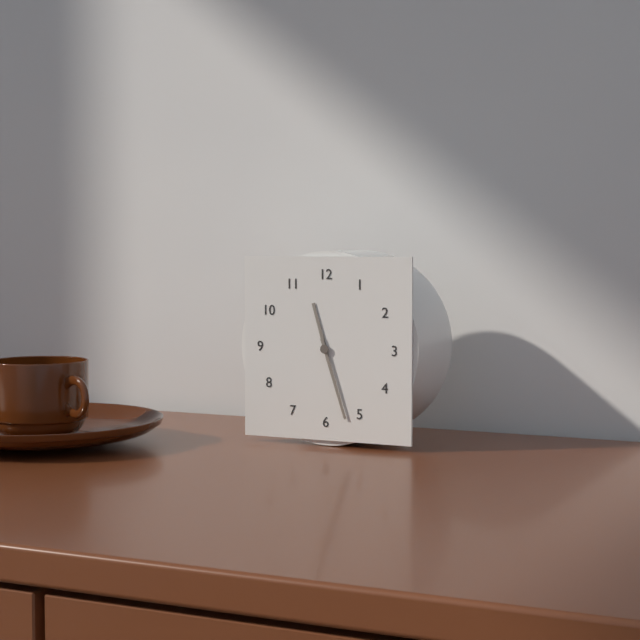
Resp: 11,27
